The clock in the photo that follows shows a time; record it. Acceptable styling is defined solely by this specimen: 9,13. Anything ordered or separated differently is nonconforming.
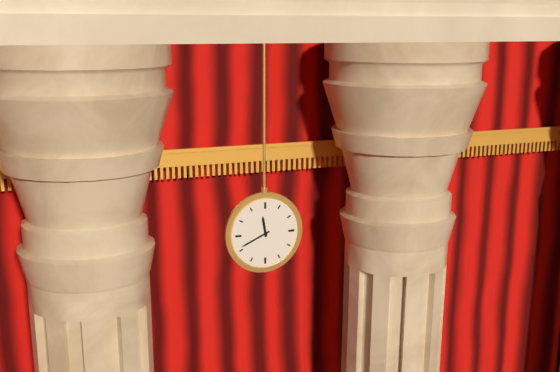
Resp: 11,41
